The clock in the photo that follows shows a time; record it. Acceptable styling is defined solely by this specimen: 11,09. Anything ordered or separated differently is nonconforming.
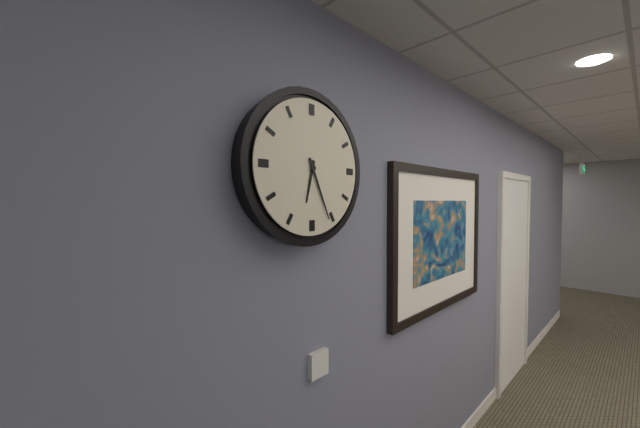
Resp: 6,26
